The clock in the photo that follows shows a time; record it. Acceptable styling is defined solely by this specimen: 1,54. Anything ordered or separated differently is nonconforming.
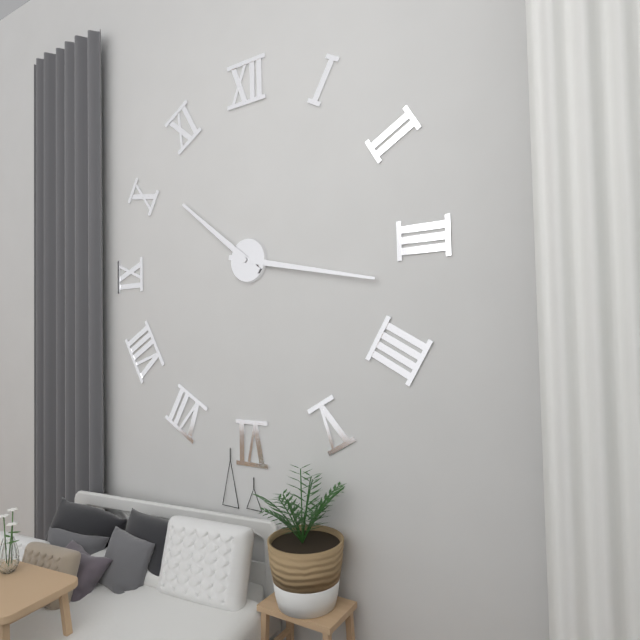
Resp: 10,17
